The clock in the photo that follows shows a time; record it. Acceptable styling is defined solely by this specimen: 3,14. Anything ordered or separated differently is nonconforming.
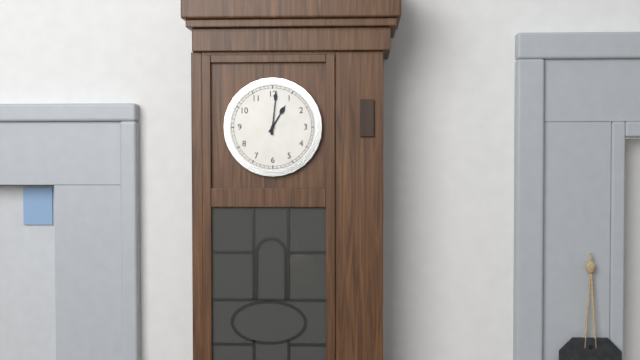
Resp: 1,01
